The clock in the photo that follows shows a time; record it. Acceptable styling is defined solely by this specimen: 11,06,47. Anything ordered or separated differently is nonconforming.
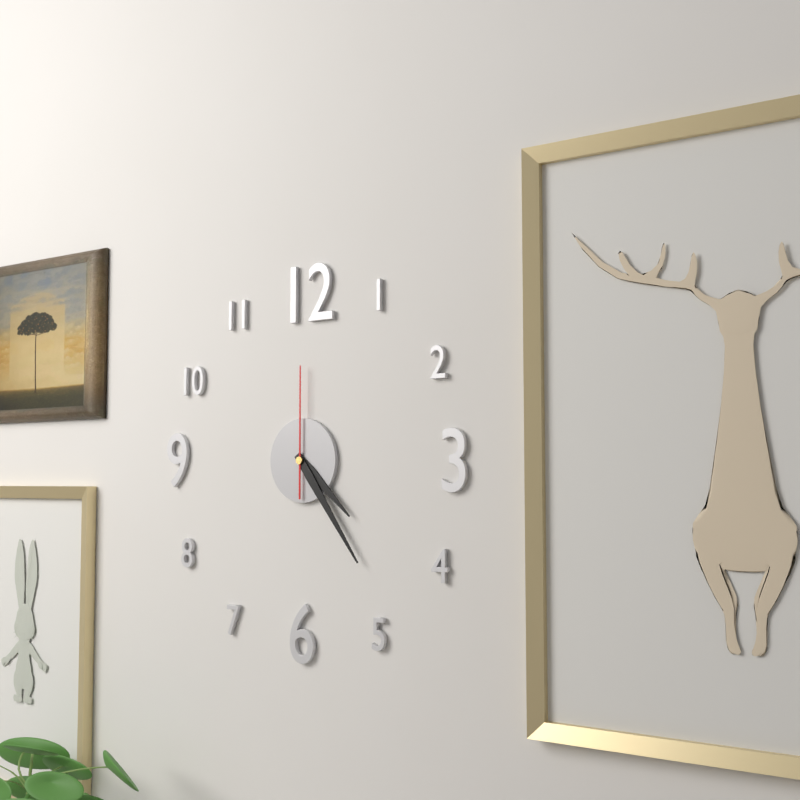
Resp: 4,24,00
